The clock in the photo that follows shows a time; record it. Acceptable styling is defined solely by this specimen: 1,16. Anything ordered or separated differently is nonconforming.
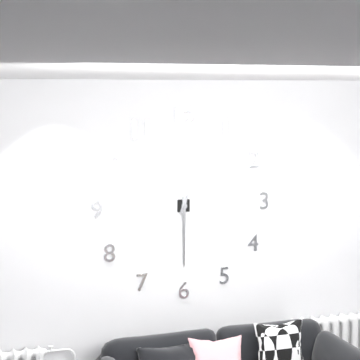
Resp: 12,30
